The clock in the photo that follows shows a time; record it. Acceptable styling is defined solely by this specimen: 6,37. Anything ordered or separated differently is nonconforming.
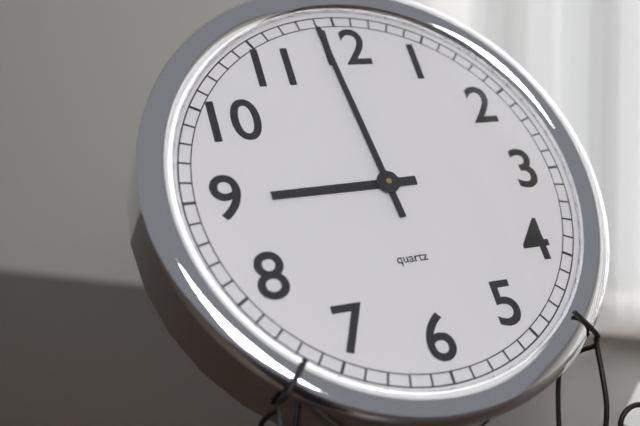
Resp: 8,59
